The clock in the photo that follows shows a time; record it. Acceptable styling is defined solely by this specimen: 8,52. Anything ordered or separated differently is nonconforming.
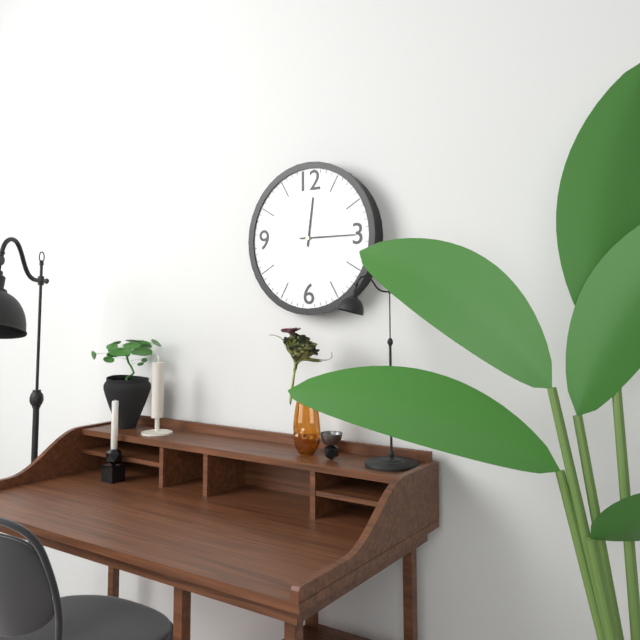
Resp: 12,15
